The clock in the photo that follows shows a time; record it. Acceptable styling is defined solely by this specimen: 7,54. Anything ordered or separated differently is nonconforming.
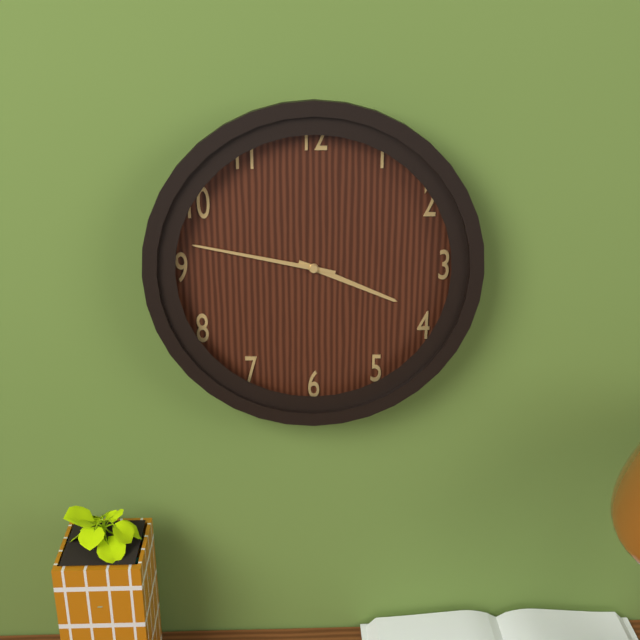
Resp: 3,47
